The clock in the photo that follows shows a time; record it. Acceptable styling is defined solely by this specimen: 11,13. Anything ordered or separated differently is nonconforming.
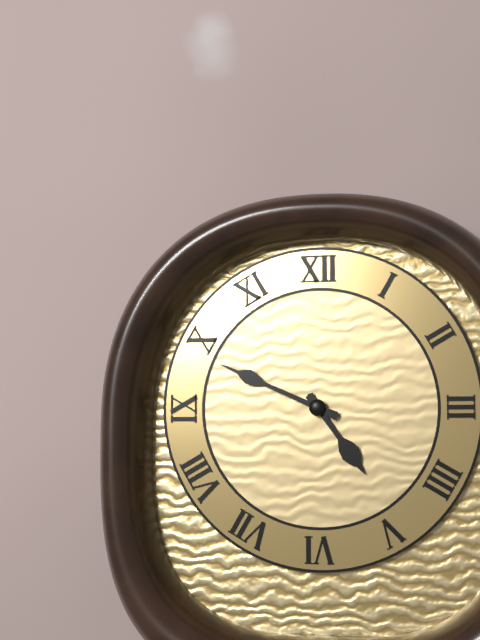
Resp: 4,49
